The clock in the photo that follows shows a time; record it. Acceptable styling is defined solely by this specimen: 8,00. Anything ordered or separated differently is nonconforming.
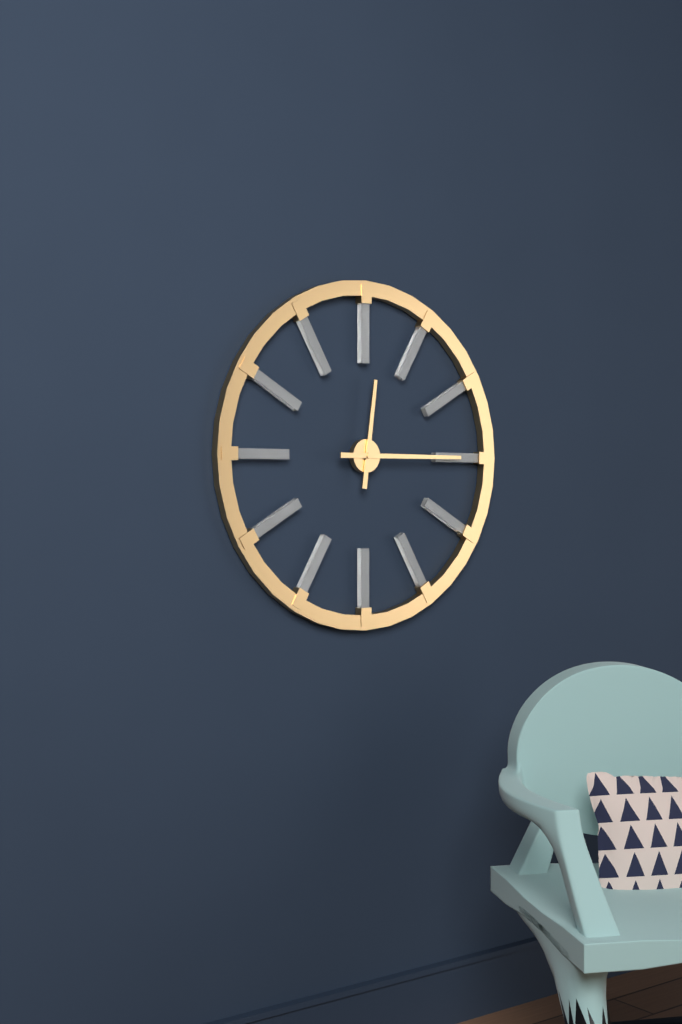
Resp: 12,15
